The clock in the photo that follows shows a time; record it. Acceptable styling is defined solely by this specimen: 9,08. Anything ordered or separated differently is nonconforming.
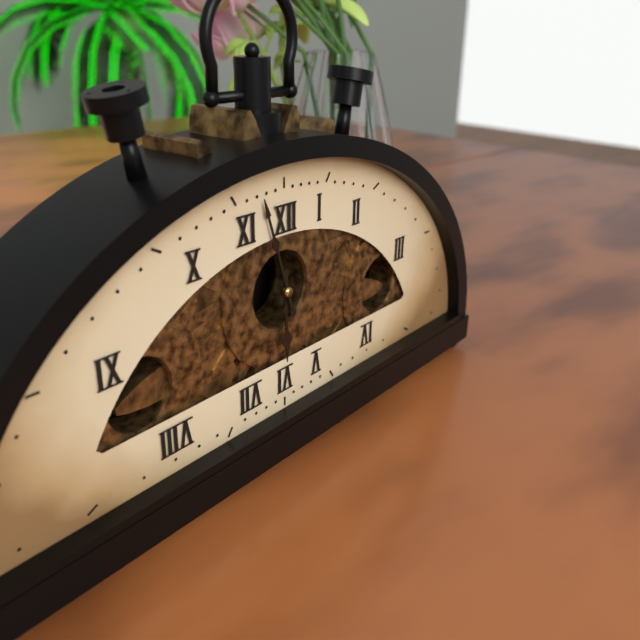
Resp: 5,57
